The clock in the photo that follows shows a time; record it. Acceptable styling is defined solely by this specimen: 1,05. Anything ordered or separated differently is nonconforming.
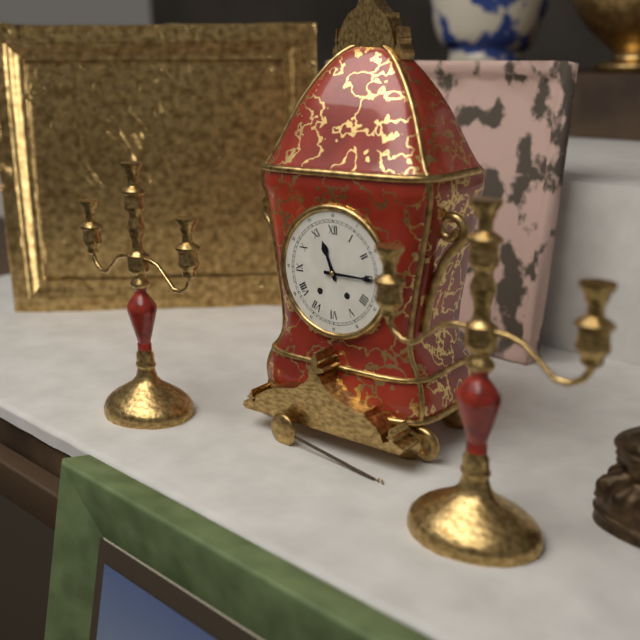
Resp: 11,15
